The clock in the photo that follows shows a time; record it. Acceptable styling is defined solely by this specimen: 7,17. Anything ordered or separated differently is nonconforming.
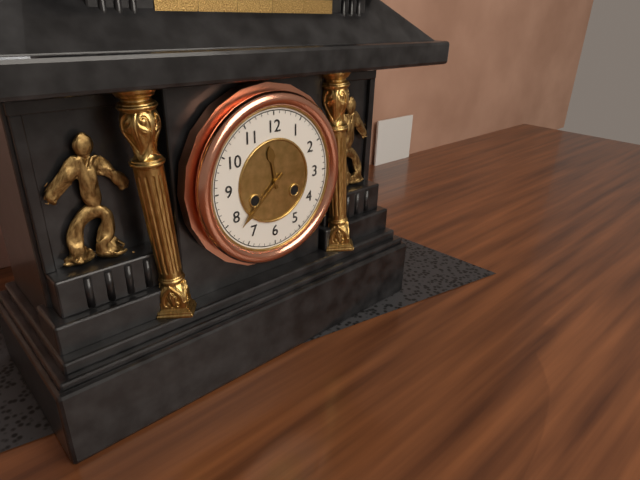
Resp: 11,38
